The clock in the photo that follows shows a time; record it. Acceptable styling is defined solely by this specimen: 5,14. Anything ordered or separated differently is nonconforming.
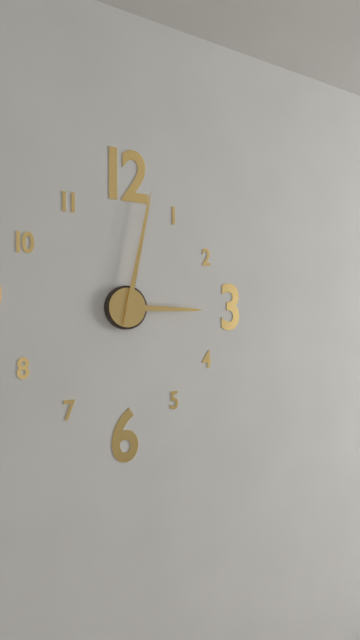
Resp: 3,02
